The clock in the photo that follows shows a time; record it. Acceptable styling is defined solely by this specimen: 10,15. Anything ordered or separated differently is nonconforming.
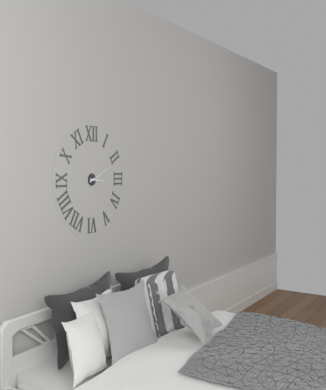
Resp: 3,11
